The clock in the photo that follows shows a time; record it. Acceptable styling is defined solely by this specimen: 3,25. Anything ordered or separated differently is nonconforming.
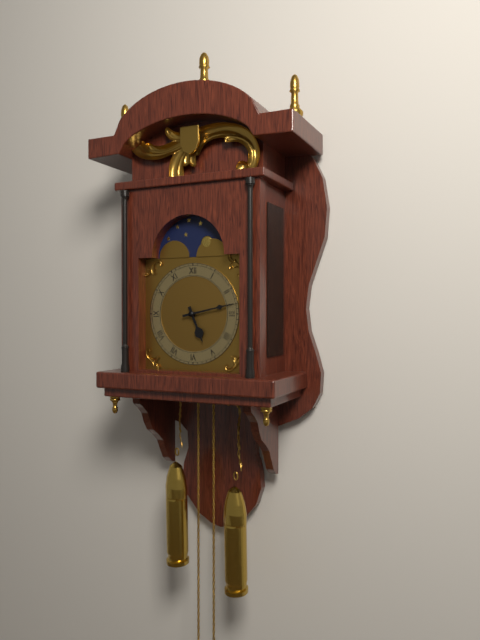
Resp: 5,13
